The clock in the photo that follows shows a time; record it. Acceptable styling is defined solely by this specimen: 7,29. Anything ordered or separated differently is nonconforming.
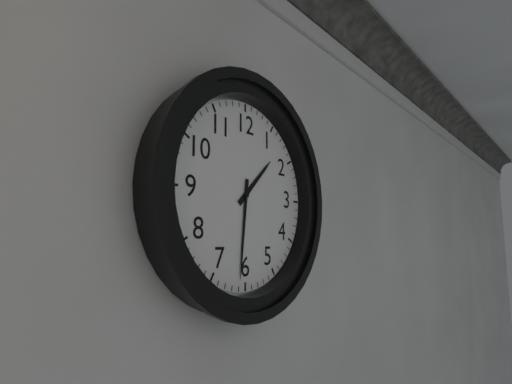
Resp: 1,31
